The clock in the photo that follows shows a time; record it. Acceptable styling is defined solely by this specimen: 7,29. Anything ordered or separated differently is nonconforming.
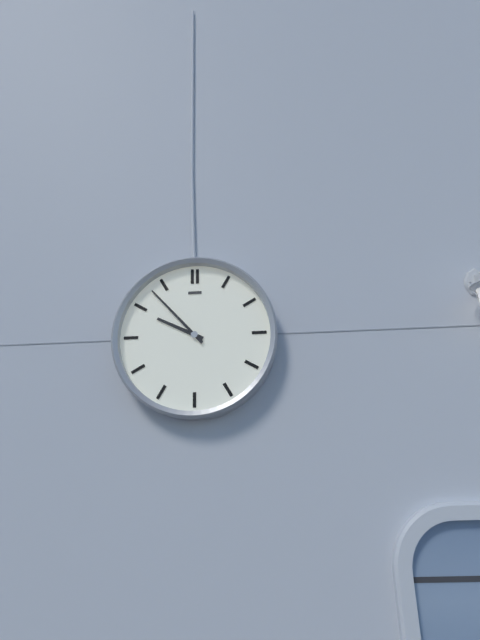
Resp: 9,53
